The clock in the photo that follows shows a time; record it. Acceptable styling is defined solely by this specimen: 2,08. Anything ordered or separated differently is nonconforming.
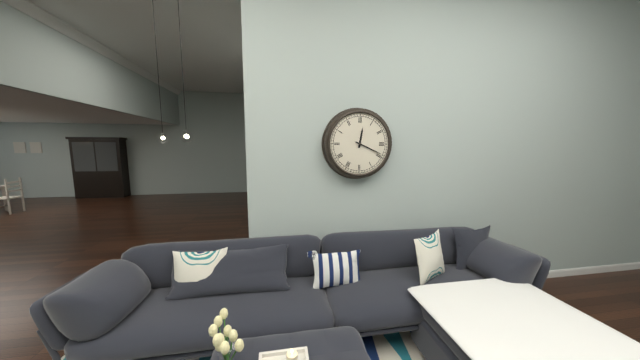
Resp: 12,19
